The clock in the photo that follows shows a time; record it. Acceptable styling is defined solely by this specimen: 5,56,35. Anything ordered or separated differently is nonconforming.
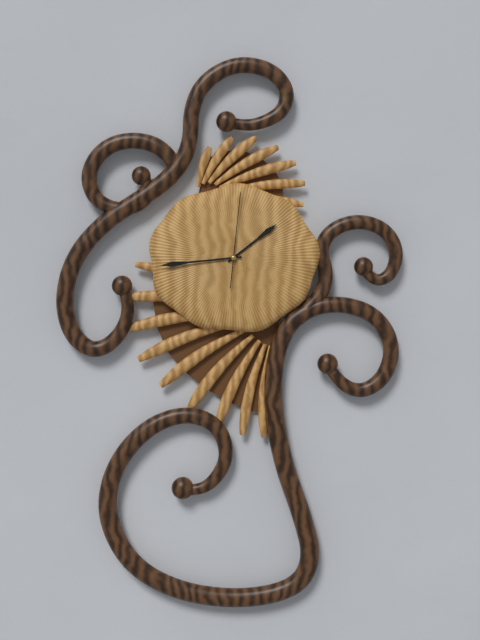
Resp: 1,44,01
